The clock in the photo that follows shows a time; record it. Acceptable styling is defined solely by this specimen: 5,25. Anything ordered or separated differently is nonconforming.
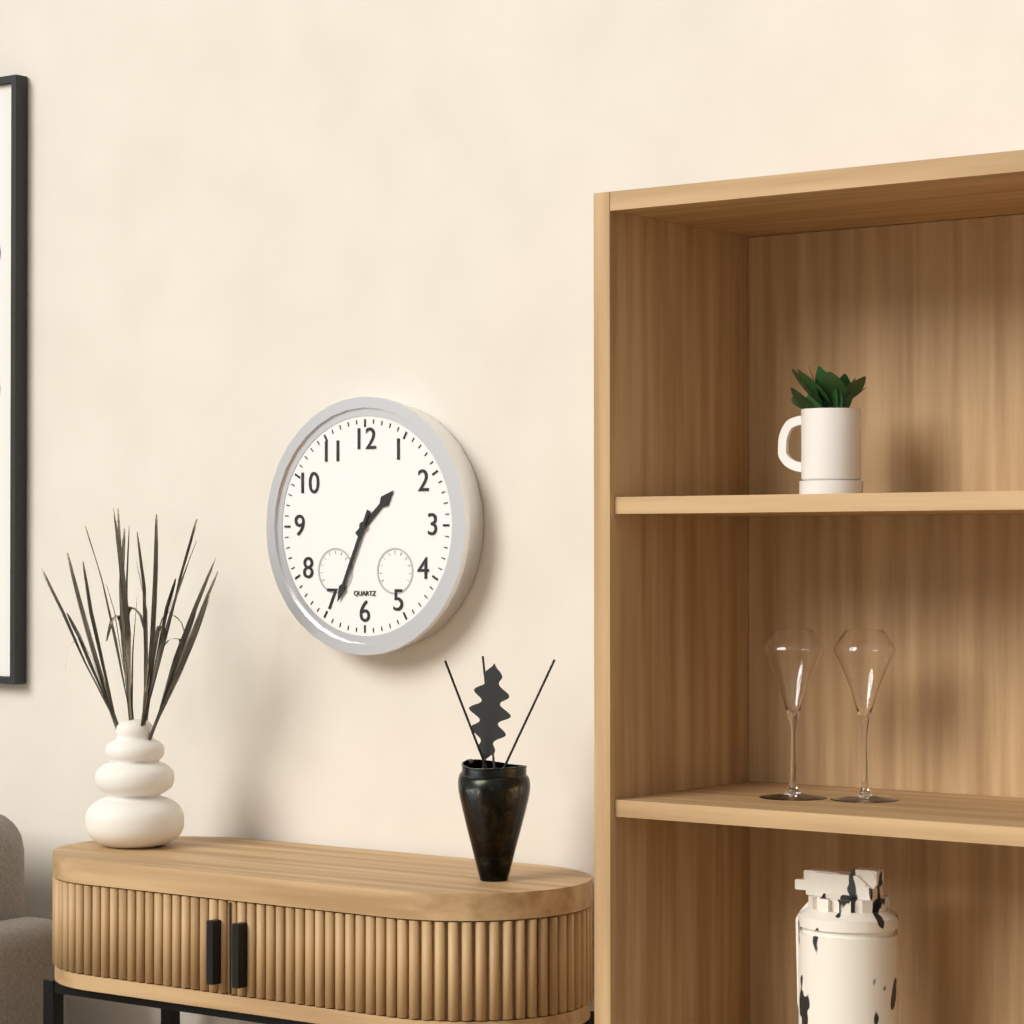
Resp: 1,34
